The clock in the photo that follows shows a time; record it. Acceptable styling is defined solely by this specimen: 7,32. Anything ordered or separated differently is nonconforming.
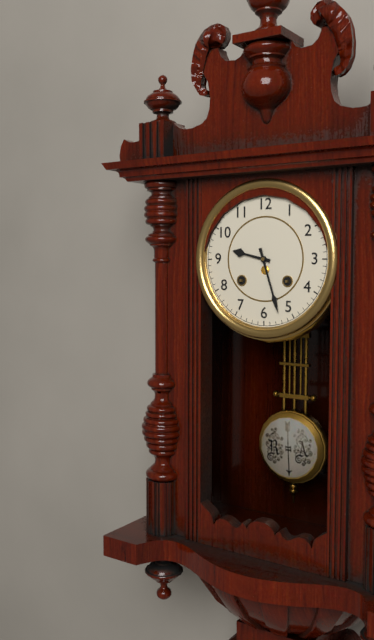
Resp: 9,27
